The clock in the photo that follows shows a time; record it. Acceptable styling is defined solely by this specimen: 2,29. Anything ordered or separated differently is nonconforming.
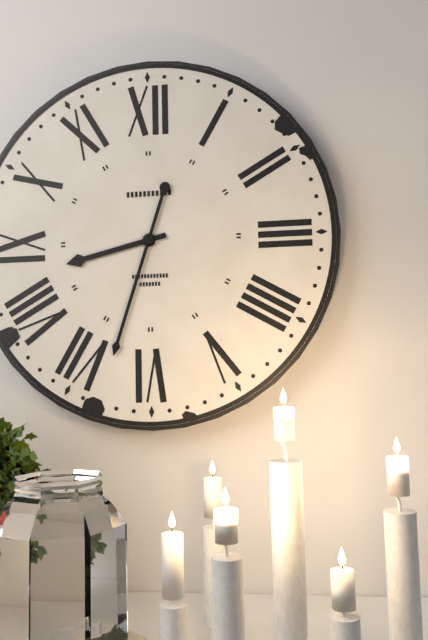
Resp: 8,33
